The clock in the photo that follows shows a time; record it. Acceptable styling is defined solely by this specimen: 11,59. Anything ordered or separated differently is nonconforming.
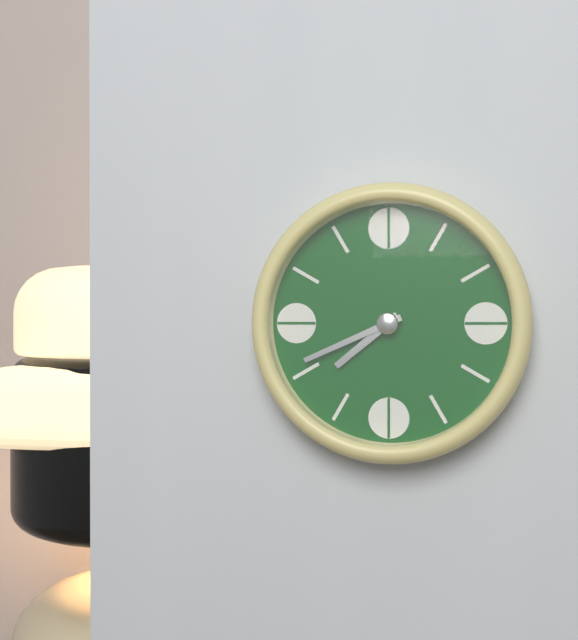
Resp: 7,41
